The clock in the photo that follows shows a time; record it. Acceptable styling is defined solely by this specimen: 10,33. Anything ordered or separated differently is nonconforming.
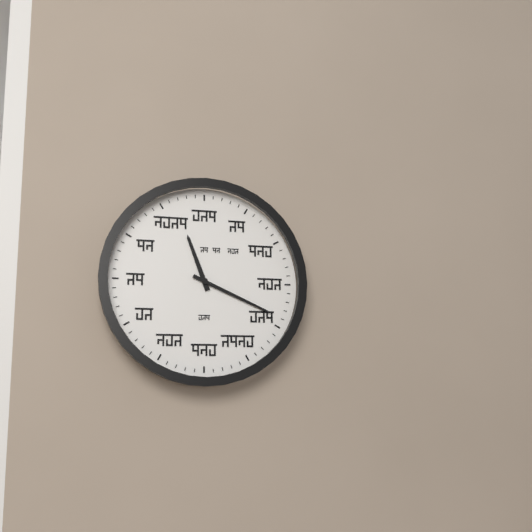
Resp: 11,19
